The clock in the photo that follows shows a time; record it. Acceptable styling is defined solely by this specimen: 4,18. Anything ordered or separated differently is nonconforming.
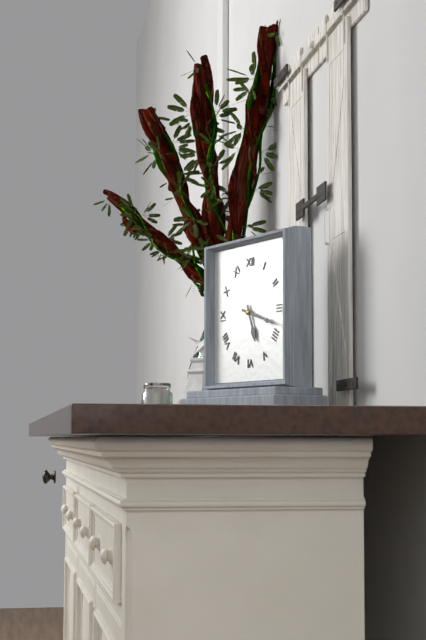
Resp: 5,18
